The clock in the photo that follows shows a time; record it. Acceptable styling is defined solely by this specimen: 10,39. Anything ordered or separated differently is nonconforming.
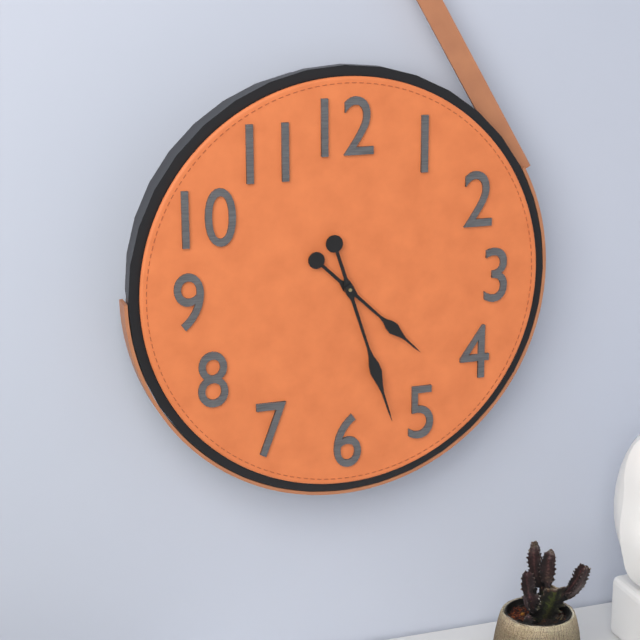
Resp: 4,27
